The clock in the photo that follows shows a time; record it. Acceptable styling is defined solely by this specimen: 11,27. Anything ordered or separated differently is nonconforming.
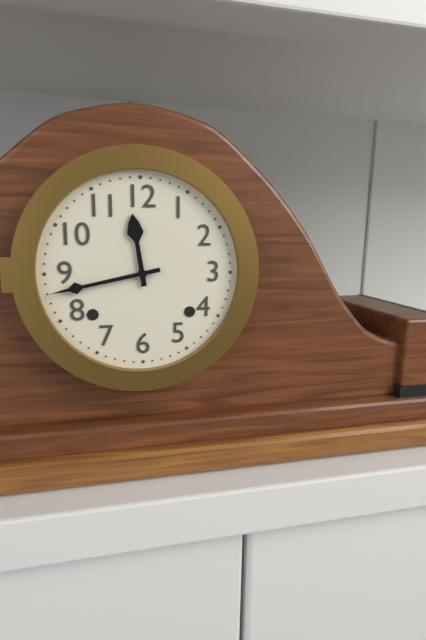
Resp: 11,43
